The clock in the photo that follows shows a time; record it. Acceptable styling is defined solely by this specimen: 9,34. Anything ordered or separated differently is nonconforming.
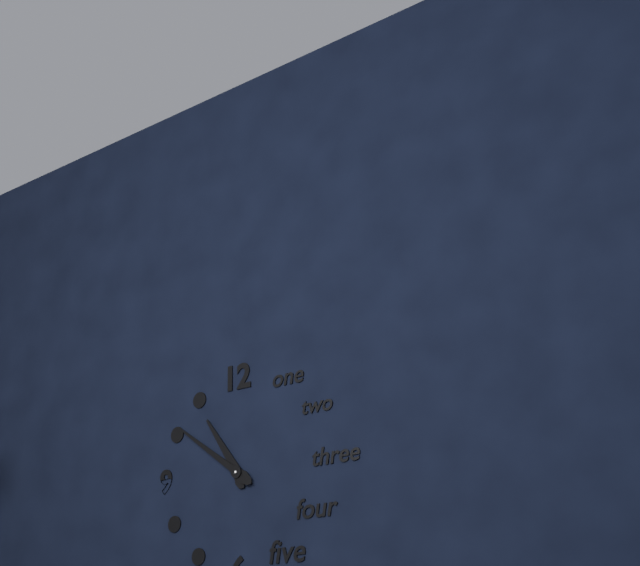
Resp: 10,51
